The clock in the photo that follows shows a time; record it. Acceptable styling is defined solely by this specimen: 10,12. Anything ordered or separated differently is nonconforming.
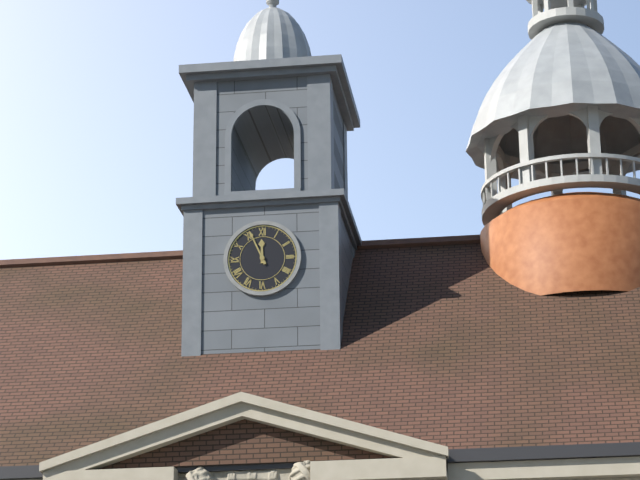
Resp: 11,56
